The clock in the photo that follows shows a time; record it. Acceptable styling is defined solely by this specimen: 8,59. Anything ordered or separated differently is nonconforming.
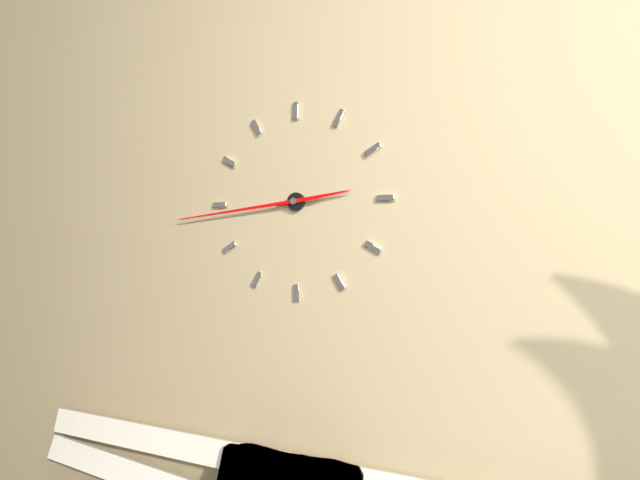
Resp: 2,44
